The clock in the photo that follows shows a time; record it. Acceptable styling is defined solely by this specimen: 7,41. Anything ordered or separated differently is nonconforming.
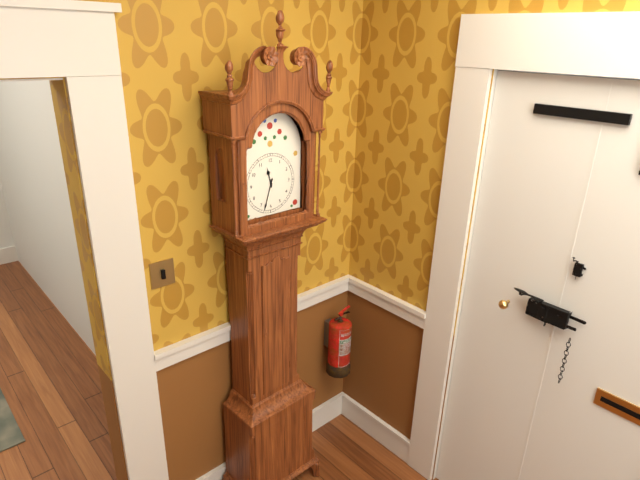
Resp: 11,33
